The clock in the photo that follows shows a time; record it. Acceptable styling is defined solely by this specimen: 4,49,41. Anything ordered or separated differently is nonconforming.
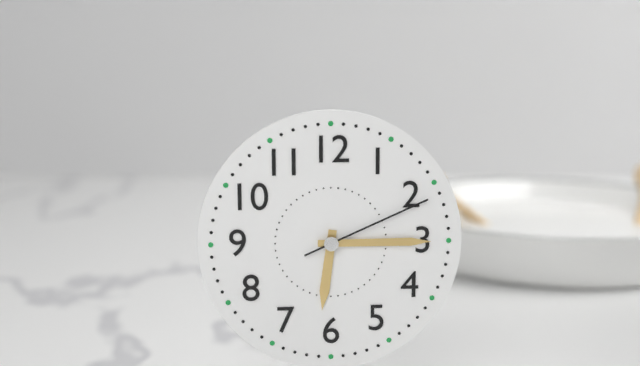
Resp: 6,15,11
